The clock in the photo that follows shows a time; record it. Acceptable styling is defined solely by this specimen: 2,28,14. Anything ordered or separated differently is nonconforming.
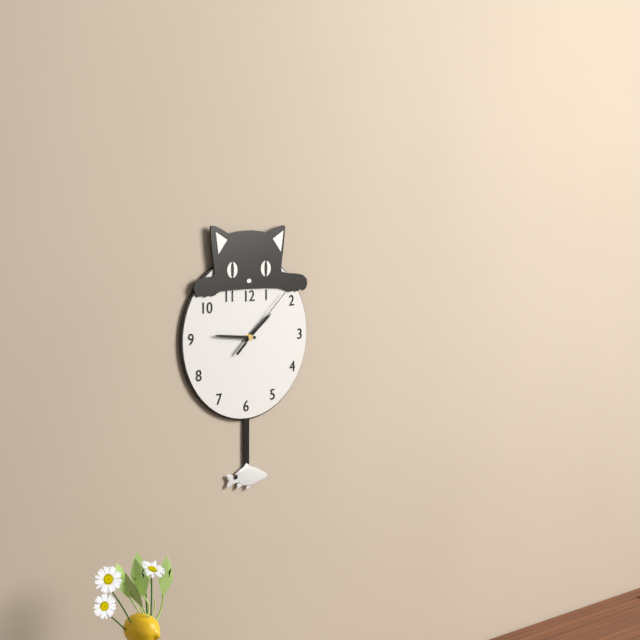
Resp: 1,46,08
